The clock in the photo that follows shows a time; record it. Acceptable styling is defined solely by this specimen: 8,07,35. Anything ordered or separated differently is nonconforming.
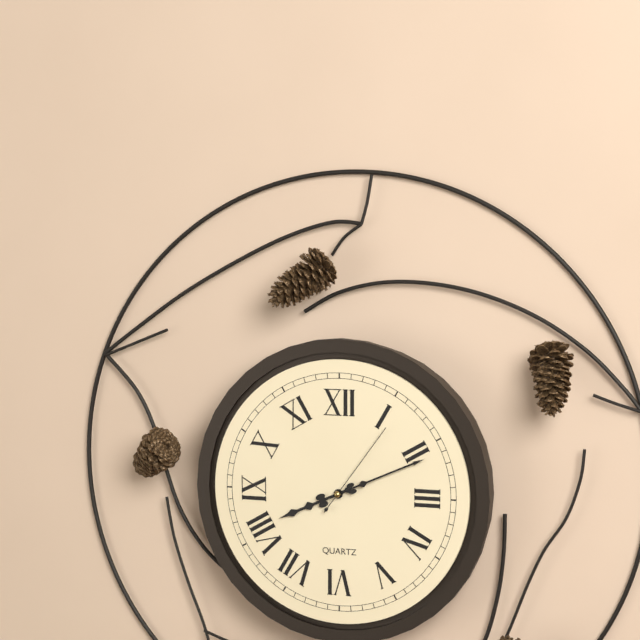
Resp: 8,11,06
